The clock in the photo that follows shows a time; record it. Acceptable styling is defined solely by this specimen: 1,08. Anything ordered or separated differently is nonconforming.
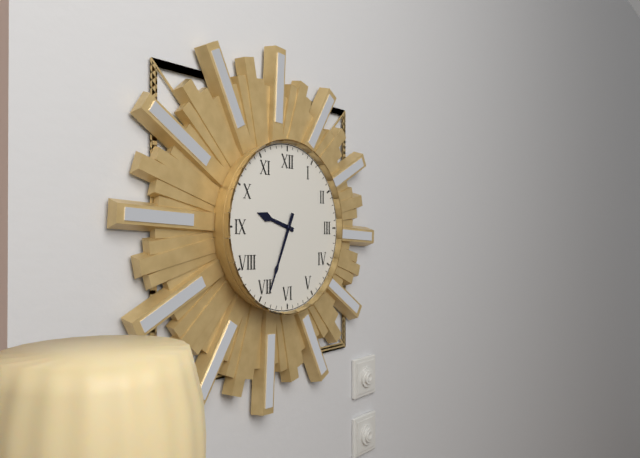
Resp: 9,34
